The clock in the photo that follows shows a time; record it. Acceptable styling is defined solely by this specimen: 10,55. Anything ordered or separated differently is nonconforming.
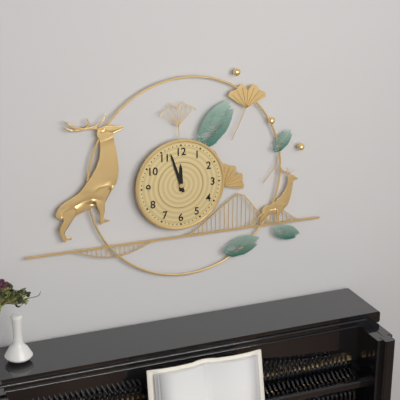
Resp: 11,57
